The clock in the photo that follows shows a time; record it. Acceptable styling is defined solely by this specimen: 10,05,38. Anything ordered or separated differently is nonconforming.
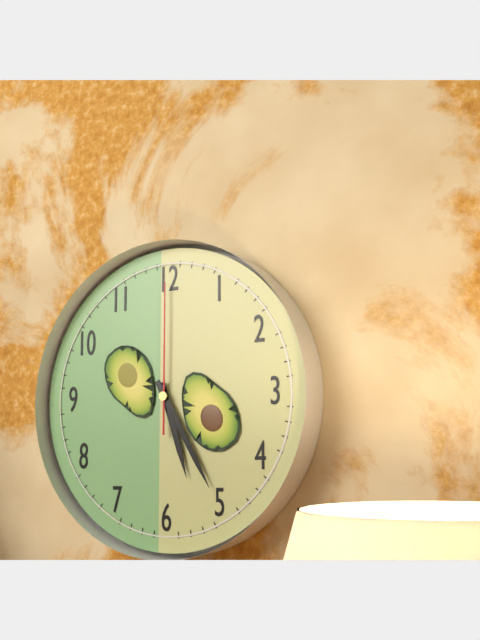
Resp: 5,25,00
